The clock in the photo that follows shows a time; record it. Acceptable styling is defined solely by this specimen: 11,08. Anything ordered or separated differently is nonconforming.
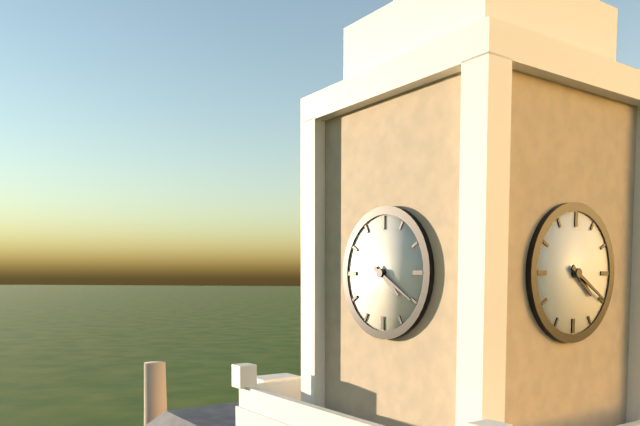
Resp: 4,20
